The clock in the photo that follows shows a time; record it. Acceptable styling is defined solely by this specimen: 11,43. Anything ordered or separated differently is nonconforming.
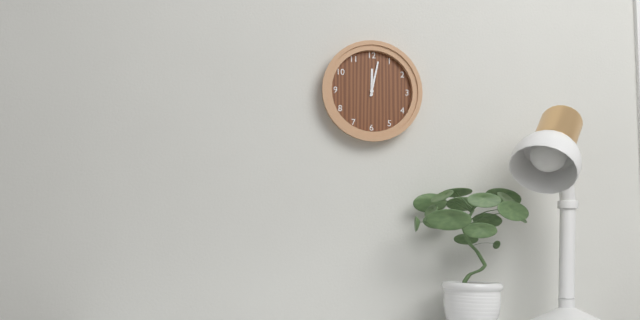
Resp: 12,02
